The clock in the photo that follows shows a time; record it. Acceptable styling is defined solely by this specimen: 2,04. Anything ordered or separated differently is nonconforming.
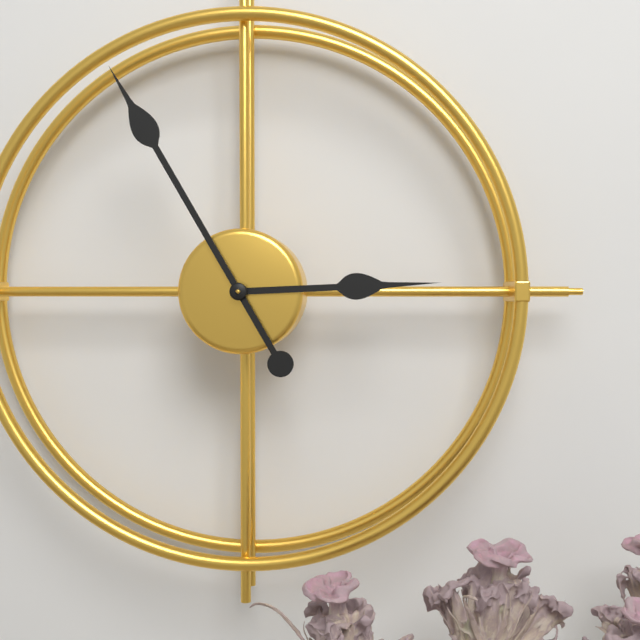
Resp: 2,55
